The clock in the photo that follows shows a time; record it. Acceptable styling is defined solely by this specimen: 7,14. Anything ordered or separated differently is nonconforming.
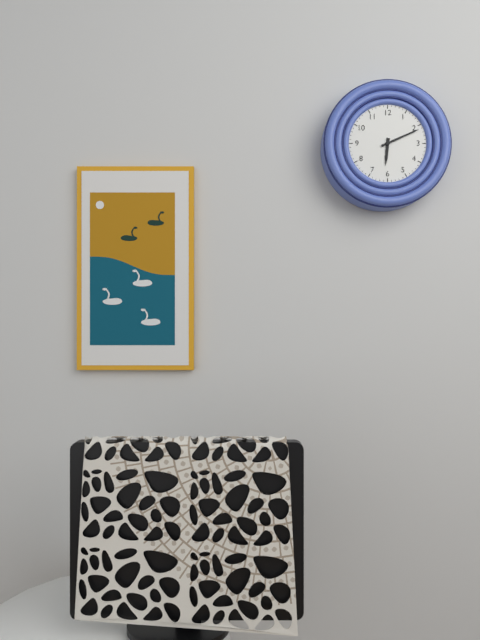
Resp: 6,11
